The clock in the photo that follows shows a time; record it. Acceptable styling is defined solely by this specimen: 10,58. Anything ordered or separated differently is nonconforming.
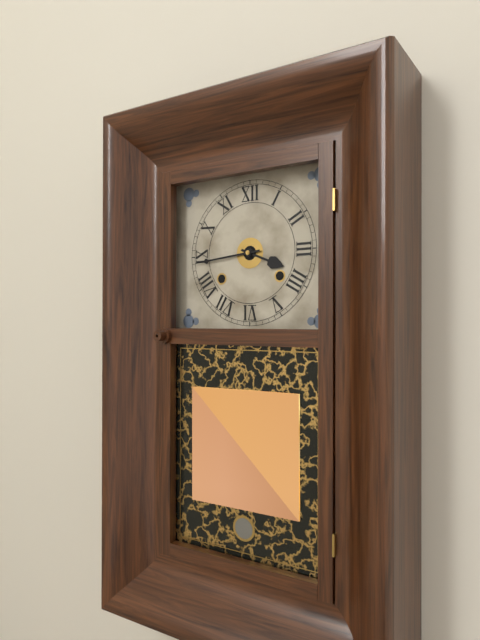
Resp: 3,44
